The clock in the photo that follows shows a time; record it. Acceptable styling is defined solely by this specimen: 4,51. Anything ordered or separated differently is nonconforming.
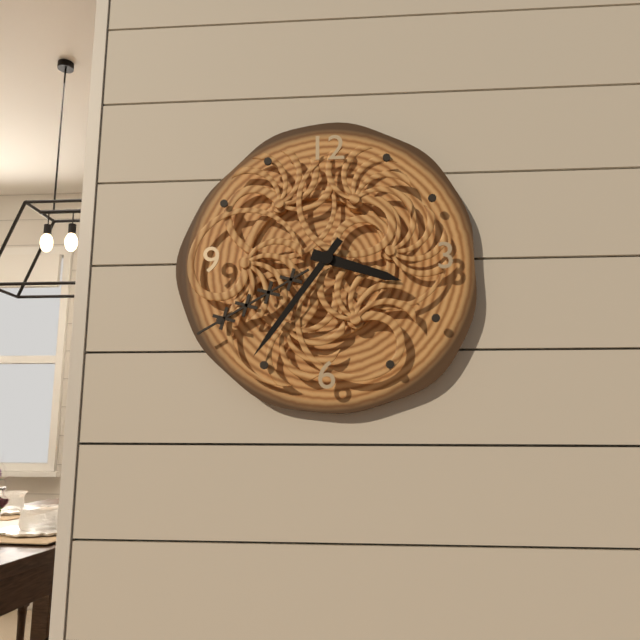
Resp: 3,36
